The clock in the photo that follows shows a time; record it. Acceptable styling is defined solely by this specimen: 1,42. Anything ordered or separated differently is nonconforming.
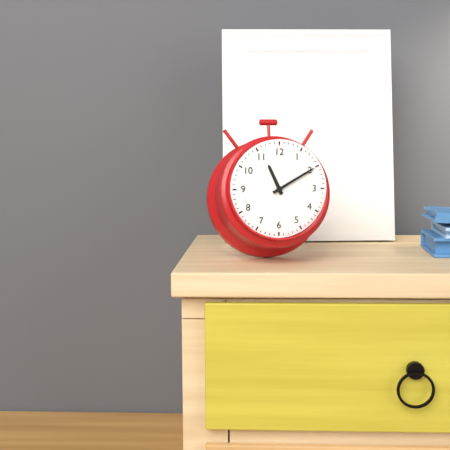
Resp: 11,10
